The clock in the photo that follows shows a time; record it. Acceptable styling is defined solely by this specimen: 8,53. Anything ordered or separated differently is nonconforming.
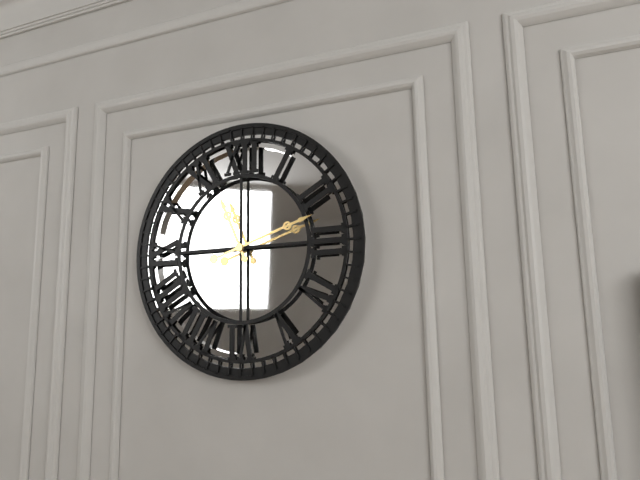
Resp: 11,12
